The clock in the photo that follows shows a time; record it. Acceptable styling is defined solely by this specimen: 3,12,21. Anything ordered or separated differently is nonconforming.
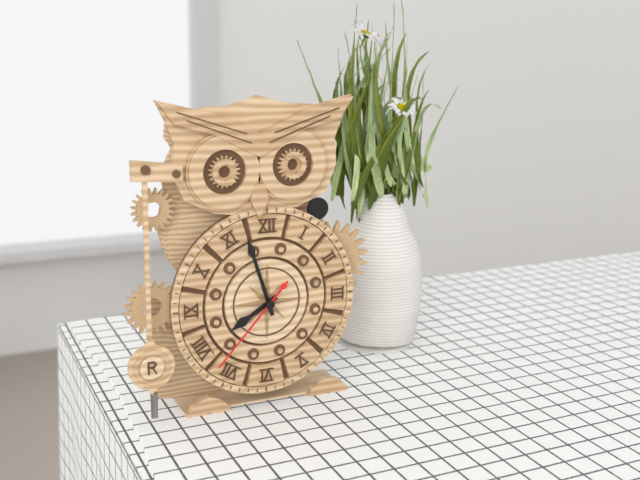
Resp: 7,57,37
